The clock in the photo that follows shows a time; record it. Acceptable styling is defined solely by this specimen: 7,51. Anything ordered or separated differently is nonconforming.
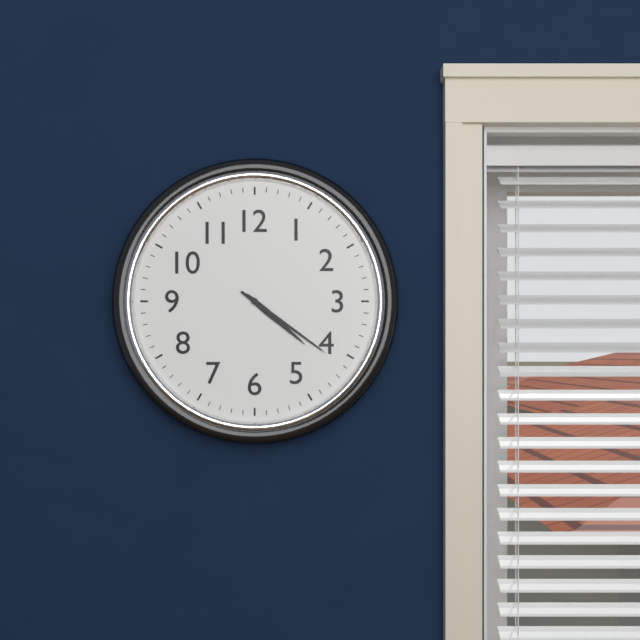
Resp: 4,21
